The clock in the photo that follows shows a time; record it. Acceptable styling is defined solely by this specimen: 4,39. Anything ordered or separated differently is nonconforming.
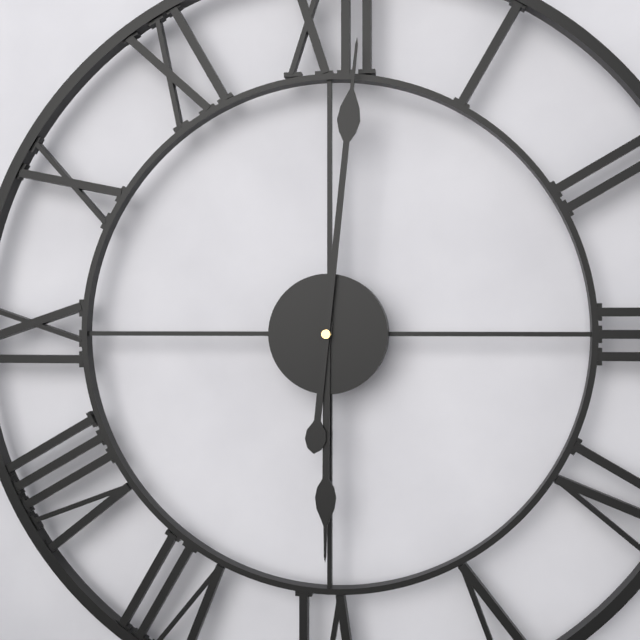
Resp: 6,01
